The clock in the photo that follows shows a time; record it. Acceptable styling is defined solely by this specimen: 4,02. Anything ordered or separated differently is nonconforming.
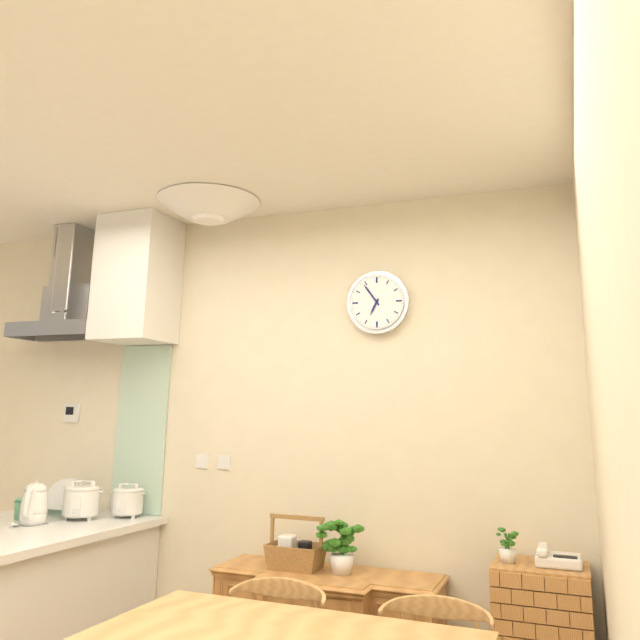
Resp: 6,54
